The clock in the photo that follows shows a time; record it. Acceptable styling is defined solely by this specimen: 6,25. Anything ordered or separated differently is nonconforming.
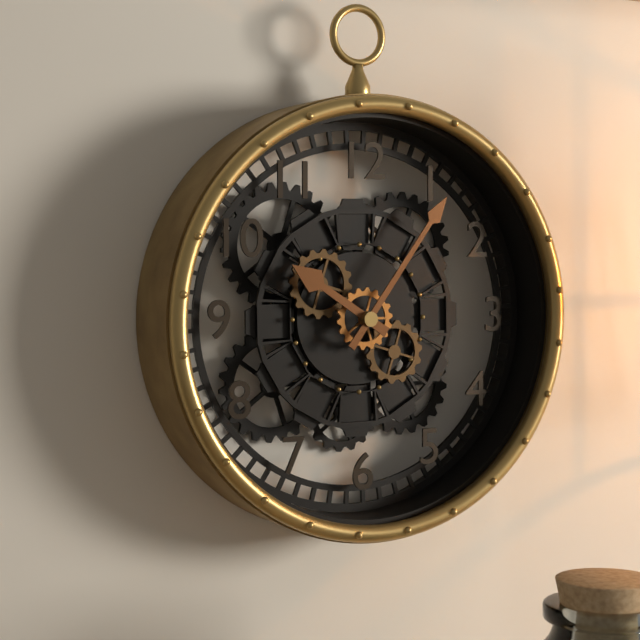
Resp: 10,06
